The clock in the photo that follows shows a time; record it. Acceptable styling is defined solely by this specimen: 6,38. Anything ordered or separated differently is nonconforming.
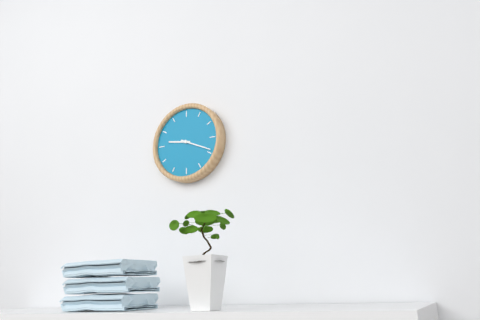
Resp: 9,19
